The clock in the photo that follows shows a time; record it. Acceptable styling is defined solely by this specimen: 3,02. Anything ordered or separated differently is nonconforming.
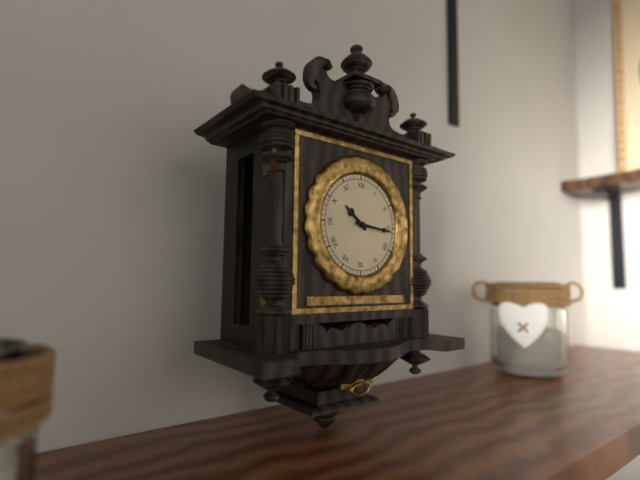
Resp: 10,16
